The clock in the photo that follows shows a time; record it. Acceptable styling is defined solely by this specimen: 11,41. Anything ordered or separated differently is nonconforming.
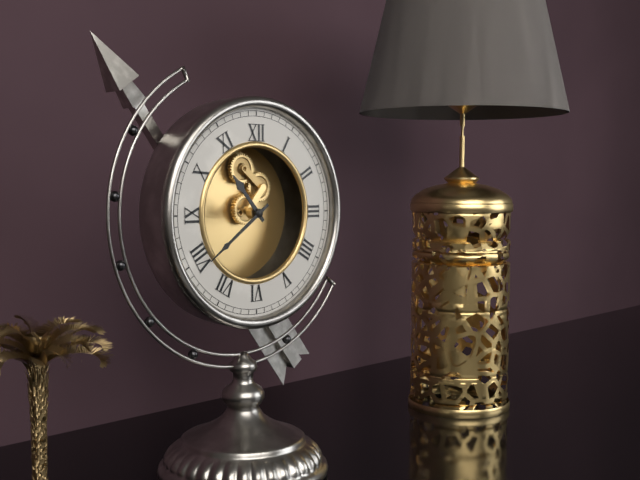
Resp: 10,39
